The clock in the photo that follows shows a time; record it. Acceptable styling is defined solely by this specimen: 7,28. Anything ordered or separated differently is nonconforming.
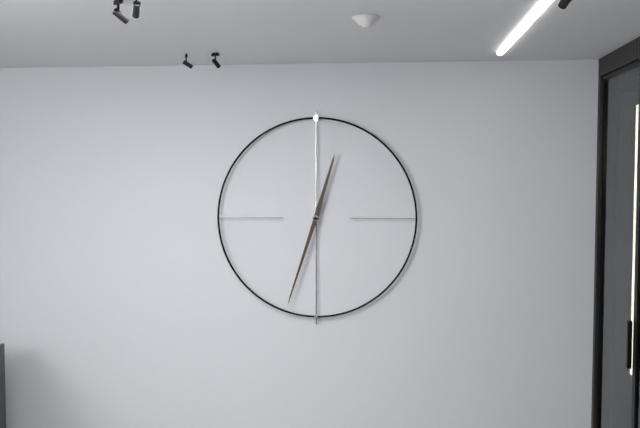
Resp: 12,33
